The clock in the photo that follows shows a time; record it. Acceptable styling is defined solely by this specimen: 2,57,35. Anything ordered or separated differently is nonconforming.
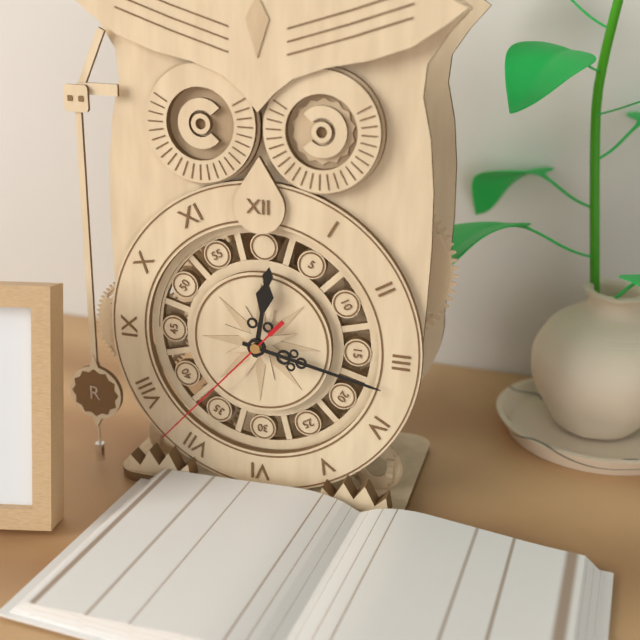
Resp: 12,17,37
